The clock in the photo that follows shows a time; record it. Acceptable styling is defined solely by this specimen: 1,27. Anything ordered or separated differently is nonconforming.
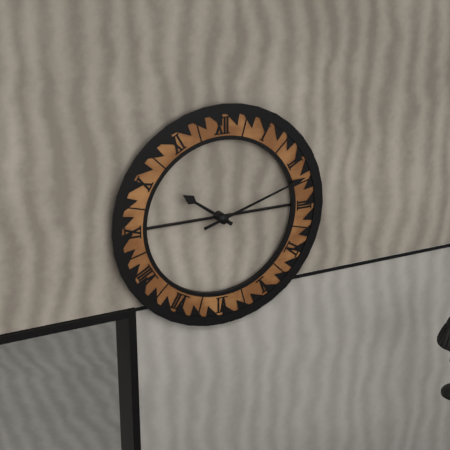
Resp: 10,12
